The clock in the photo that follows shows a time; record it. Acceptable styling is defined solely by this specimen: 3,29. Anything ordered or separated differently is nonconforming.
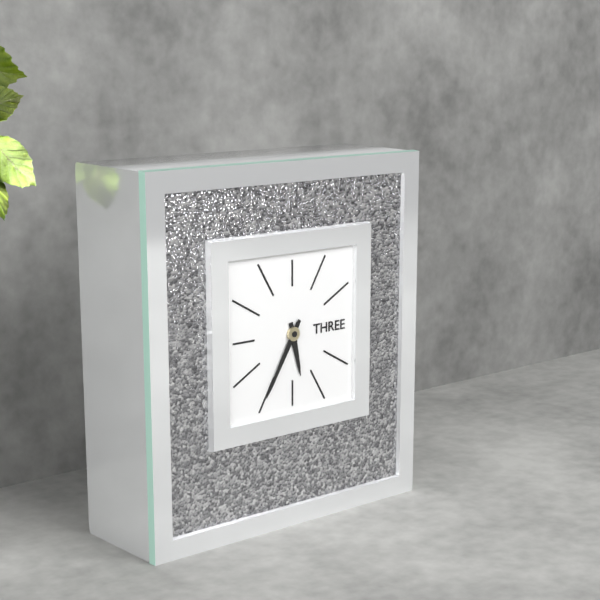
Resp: 5,35
